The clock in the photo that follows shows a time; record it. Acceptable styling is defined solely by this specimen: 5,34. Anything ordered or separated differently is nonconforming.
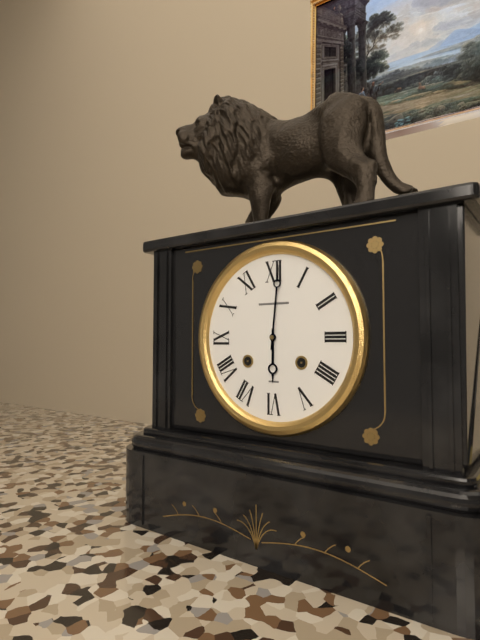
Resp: 6,01
